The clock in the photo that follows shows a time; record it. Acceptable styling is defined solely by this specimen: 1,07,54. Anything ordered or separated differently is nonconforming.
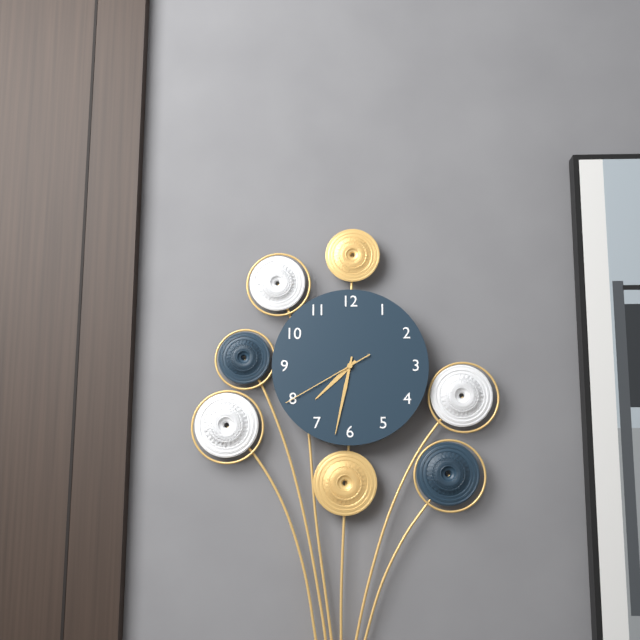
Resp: 7,32,40
